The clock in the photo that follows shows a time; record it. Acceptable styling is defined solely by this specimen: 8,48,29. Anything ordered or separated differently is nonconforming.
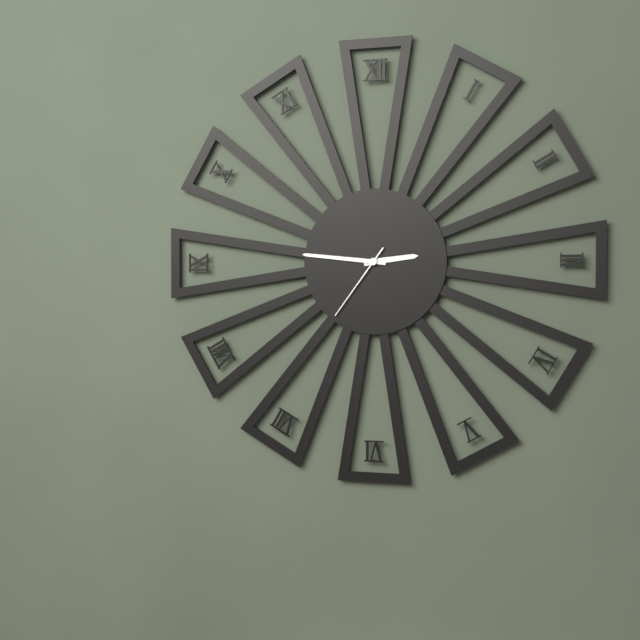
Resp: 2,46,36
